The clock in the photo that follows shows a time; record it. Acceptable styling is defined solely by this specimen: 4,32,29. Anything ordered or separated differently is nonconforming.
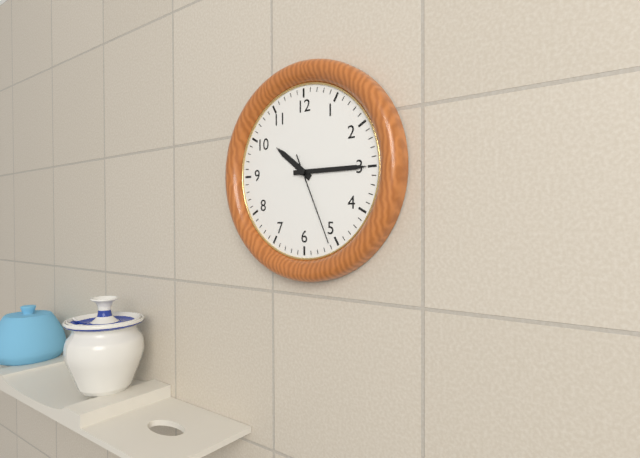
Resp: 10,15,26
